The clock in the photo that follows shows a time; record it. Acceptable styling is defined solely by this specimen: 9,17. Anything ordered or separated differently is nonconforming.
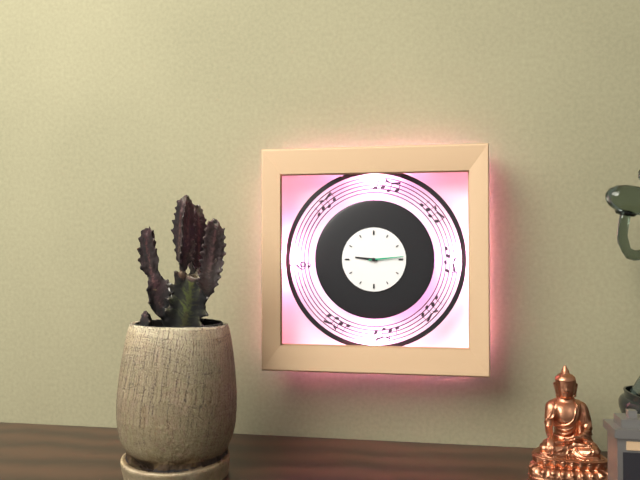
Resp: 9,14
